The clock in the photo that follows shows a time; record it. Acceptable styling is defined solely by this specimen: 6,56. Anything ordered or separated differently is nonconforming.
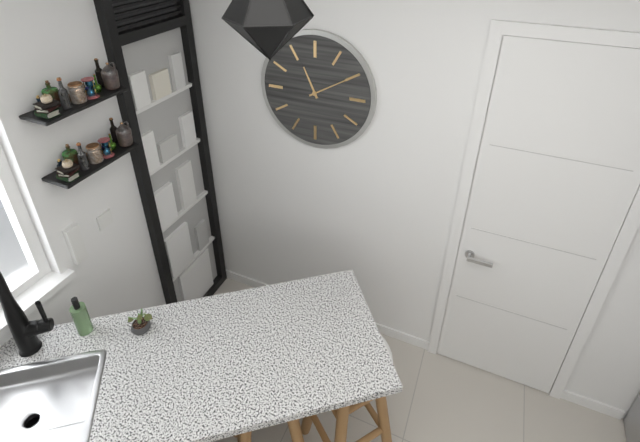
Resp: 11,10
